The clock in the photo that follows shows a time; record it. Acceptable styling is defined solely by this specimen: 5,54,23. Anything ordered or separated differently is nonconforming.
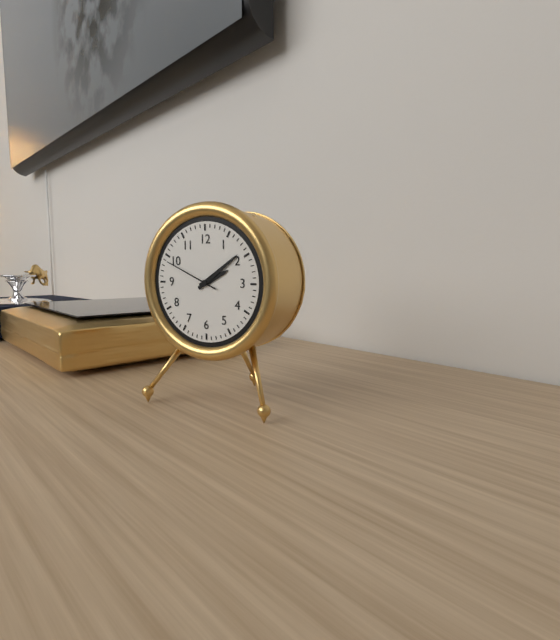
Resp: 2,09,49
